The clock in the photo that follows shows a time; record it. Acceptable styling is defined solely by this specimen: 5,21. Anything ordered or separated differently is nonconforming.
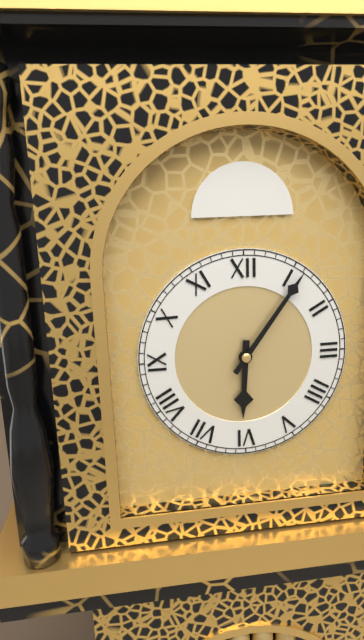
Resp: 6,06
